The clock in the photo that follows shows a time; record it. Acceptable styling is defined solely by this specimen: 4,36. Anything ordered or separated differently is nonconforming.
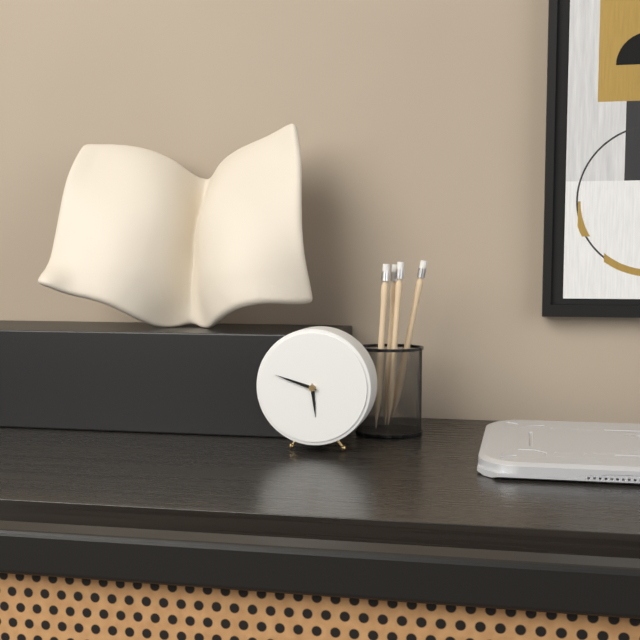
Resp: 5,48
